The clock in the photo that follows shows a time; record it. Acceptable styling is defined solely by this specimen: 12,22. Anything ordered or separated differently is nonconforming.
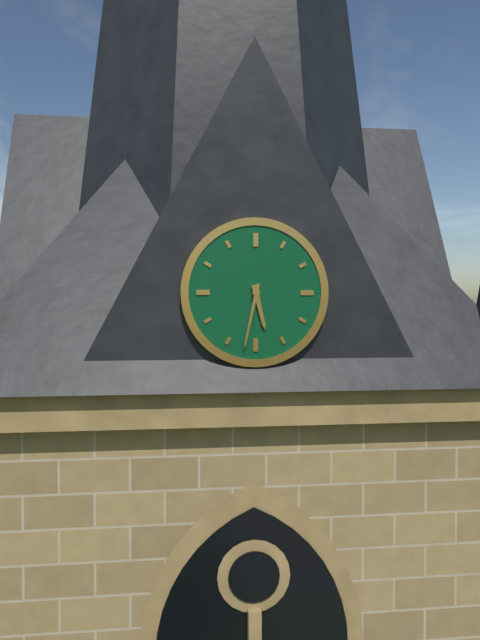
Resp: 5,32
